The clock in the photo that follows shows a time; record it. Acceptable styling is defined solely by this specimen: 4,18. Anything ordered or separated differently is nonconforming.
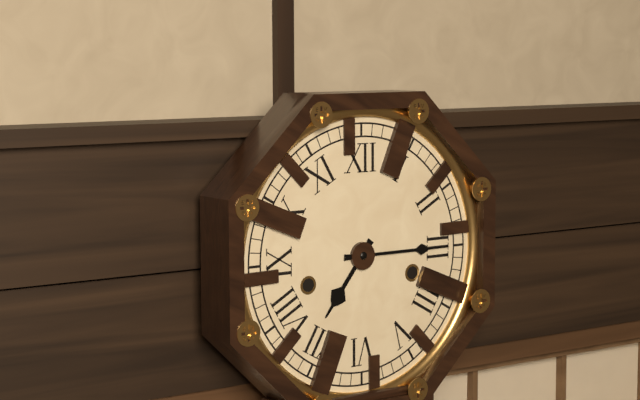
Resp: 7,15
